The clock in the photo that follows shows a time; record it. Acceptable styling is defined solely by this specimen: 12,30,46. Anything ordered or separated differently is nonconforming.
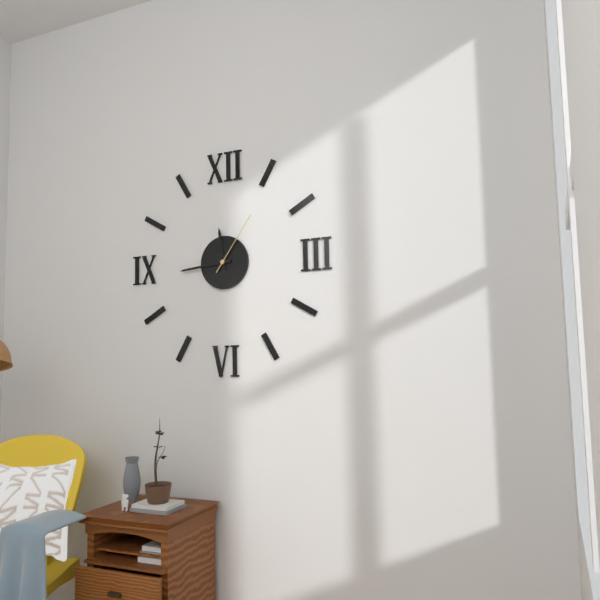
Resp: 11,44,06
